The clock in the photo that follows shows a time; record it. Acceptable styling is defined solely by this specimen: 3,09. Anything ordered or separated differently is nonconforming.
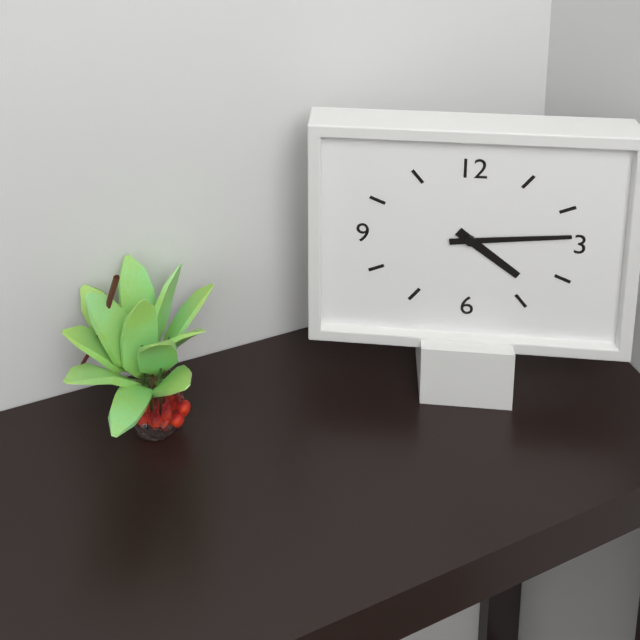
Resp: 4,14
